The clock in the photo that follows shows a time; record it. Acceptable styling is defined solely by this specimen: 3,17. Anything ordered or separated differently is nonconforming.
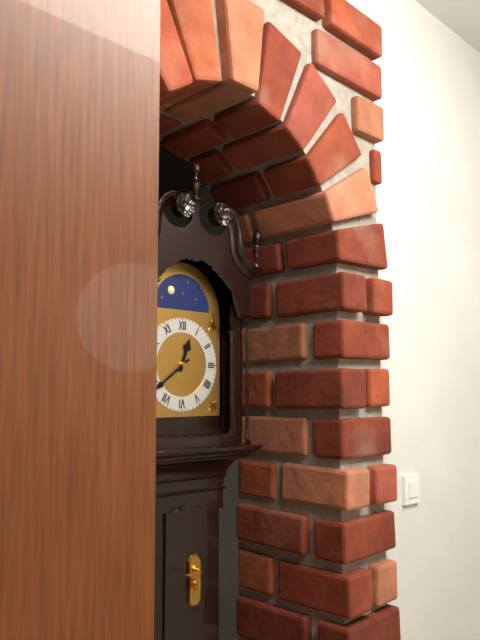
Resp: 12,39
